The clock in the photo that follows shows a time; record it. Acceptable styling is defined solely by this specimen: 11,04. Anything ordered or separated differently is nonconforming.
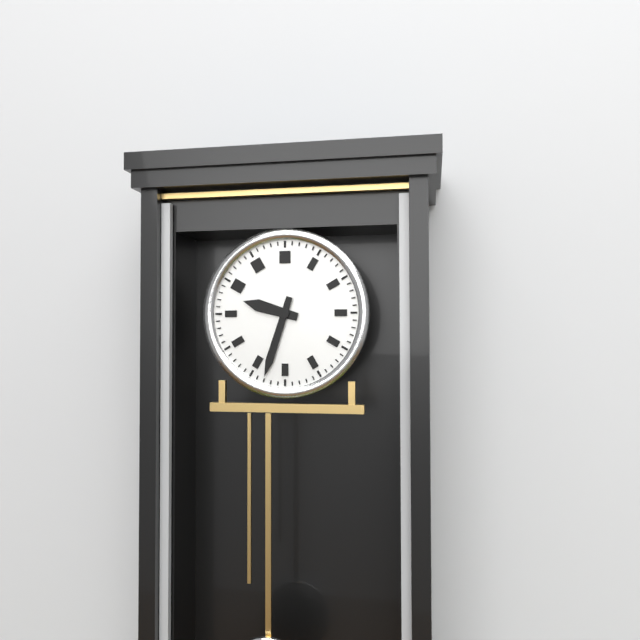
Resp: 9,33
